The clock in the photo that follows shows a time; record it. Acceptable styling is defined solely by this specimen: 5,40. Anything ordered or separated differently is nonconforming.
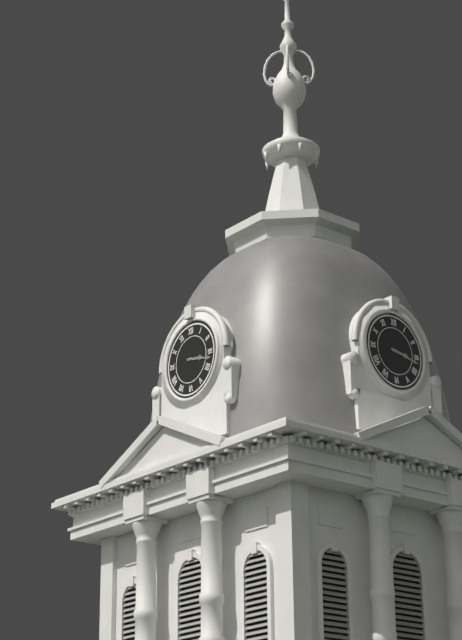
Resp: 3,17
